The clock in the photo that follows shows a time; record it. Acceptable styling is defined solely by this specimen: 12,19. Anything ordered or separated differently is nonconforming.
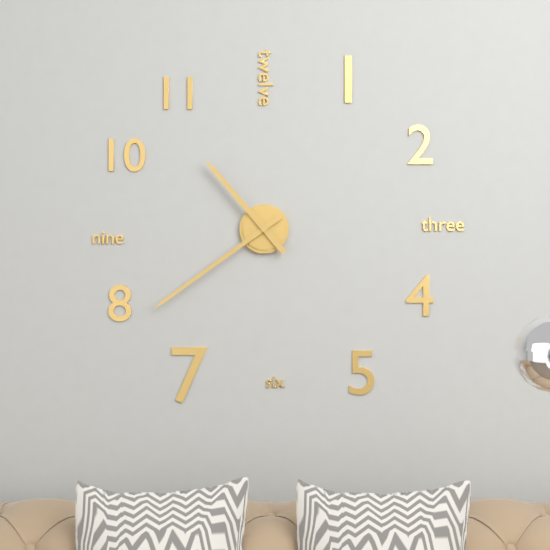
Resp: 10,39
